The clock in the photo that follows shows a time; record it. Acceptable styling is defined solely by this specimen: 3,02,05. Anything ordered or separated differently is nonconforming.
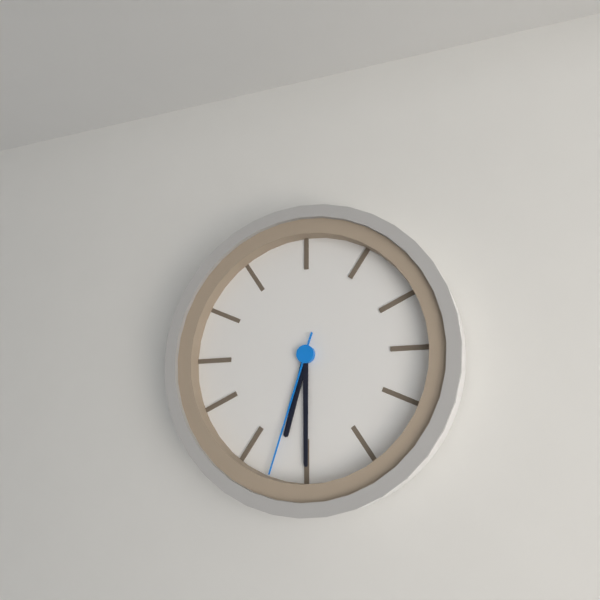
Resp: 6,30,33
